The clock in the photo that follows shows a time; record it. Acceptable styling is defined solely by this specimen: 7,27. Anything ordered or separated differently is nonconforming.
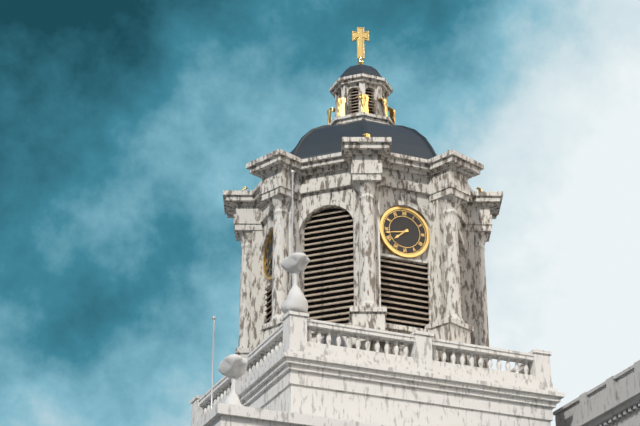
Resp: 7,43
